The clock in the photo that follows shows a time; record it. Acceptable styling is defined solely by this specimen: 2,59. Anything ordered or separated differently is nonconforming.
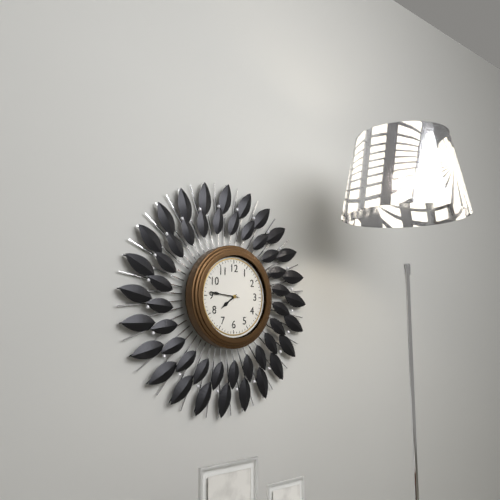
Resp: 7,46
